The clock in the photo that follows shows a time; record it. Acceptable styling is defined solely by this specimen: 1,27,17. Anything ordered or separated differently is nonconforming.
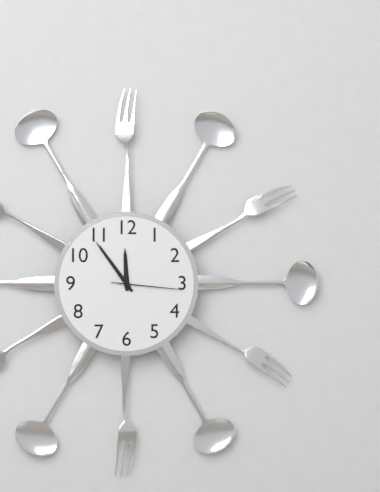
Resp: 11,54,16
